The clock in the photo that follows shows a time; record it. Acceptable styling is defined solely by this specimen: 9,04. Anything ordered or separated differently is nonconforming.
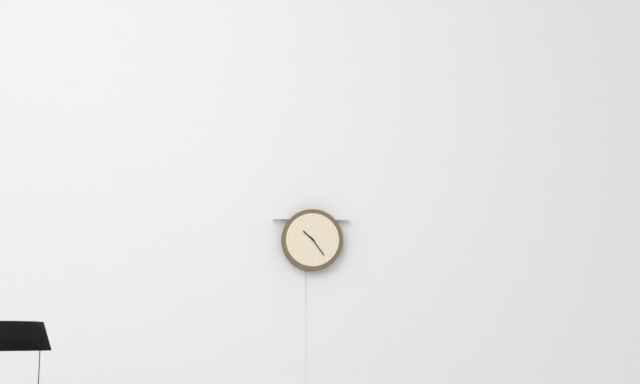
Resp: 10,24
